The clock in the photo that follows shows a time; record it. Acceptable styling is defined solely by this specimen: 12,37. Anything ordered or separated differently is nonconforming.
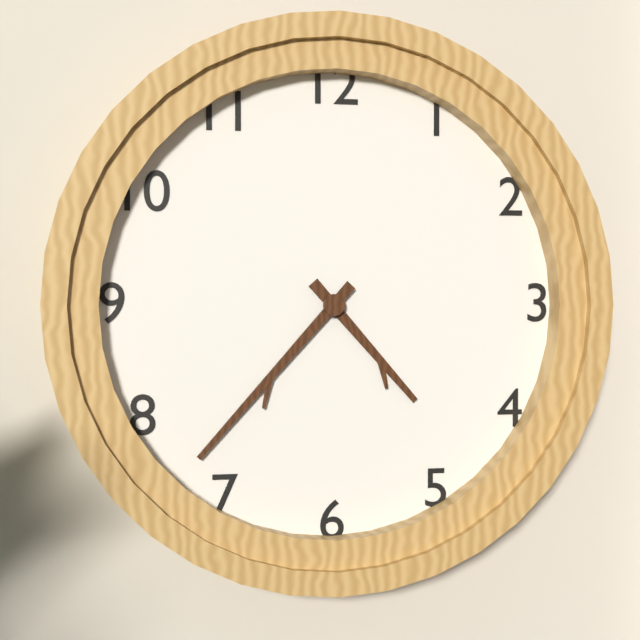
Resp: 4,37
